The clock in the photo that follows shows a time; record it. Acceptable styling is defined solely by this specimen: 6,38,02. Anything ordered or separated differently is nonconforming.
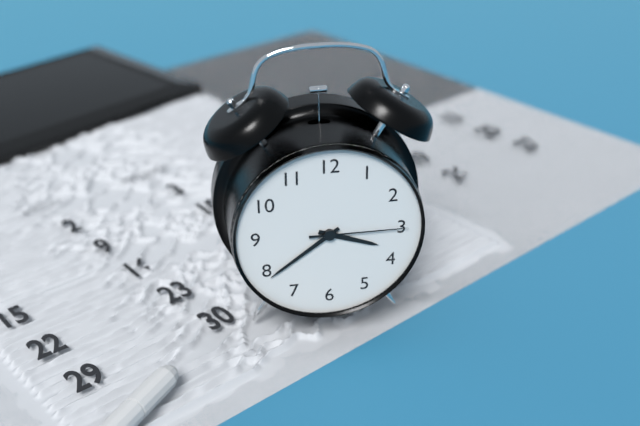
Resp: 3,39,15
